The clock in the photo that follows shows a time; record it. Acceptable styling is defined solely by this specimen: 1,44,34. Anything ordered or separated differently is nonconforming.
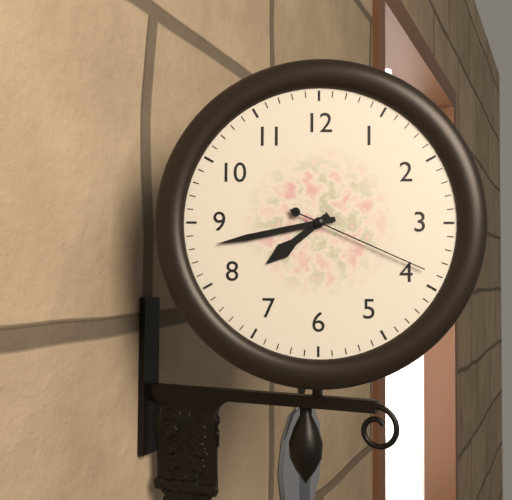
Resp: 7,43,19
